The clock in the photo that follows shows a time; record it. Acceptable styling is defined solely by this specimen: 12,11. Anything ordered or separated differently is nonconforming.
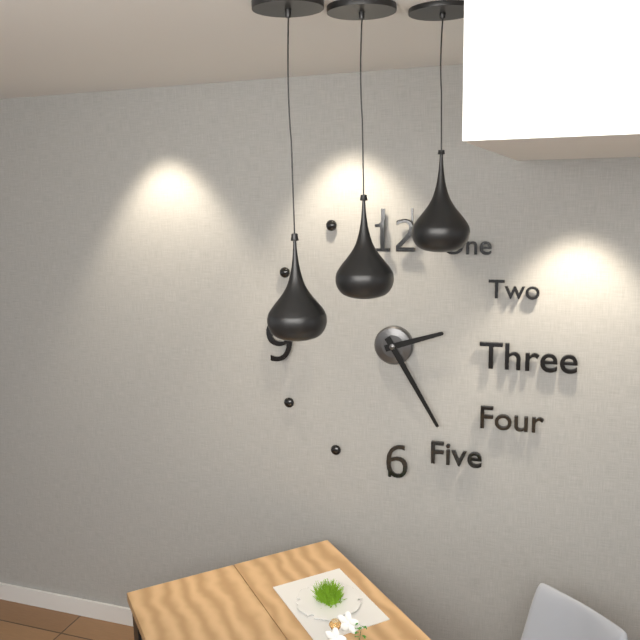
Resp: 2,25
